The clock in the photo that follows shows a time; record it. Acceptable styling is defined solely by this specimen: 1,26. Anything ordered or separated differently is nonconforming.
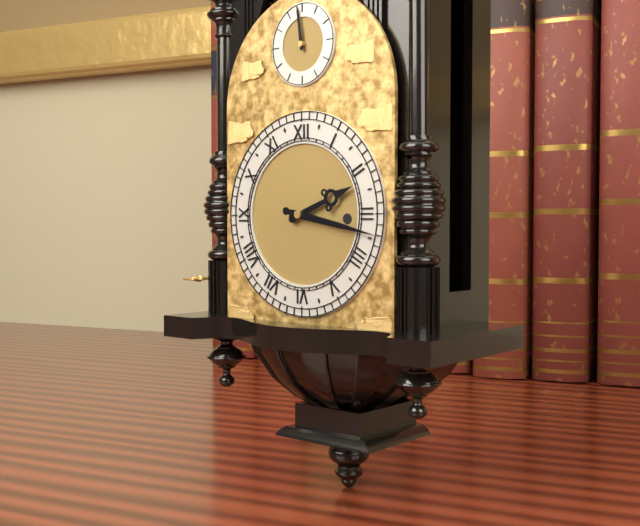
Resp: 2,17
